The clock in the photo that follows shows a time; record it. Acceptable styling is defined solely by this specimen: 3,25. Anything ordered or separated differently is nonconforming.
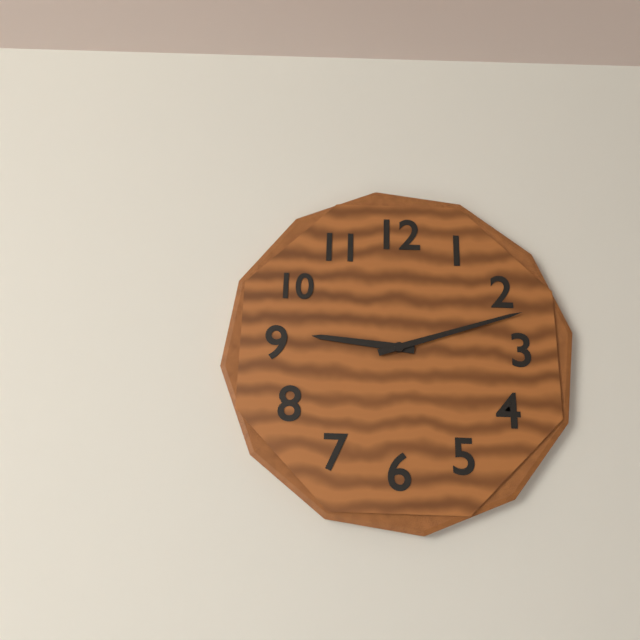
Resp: 9,12
